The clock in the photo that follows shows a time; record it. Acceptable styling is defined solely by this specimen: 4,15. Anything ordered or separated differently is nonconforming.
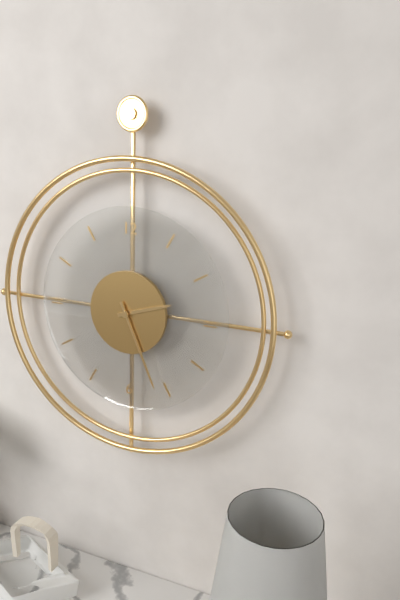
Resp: 2,26
